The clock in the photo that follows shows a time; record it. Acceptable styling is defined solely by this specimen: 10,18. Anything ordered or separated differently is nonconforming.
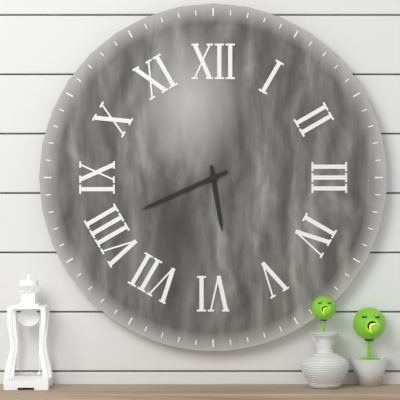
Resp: 5,41
